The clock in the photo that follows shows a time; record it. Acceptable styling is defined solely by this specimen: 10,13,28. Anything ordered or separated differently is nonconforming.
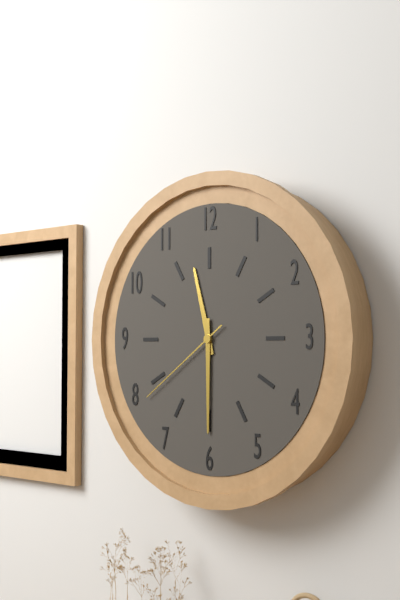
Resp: 11,30,39
